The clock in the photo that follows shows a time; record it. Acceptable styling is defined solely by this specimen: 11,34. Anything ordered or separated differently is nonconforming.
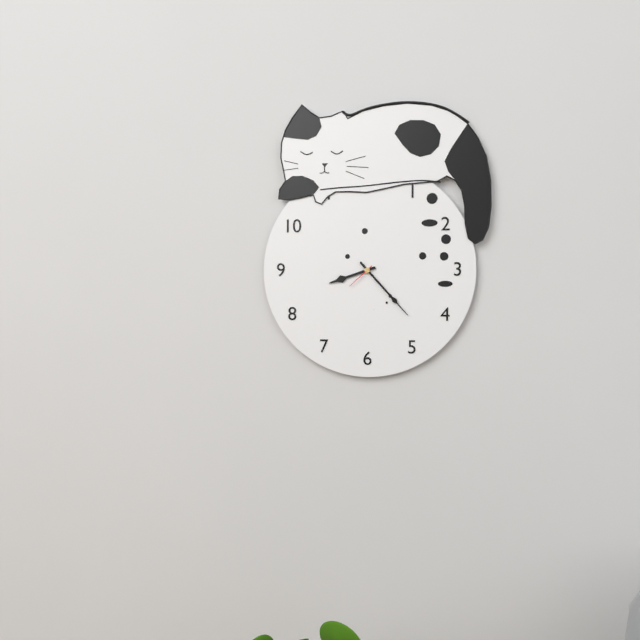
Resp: 8,23
